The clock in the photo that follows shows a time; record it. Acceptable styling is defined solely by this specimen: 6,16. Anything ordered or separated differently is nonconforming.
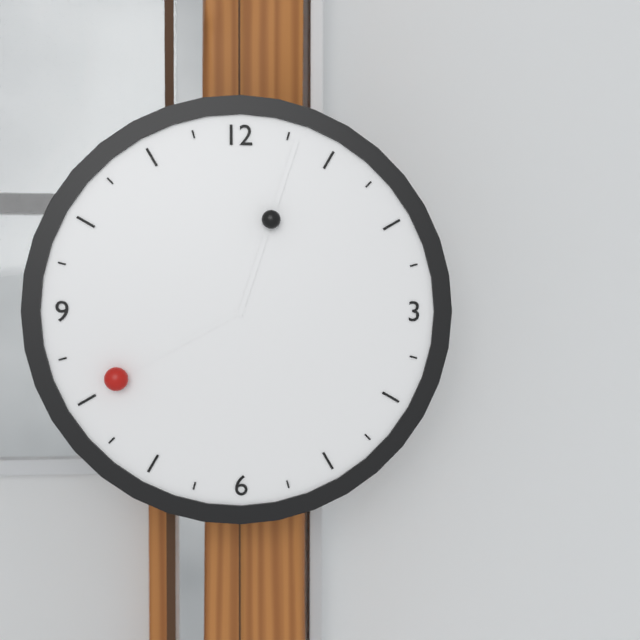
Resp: 8,03
